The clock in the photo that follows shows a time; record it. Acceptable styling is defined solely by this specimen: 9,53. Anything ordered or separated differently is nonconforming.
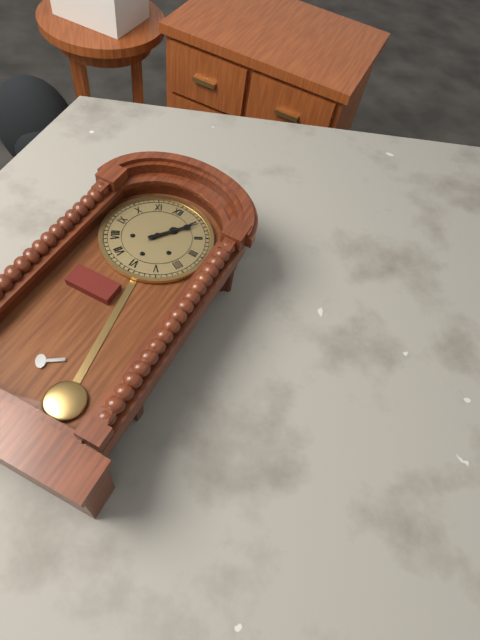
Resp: 1,06
